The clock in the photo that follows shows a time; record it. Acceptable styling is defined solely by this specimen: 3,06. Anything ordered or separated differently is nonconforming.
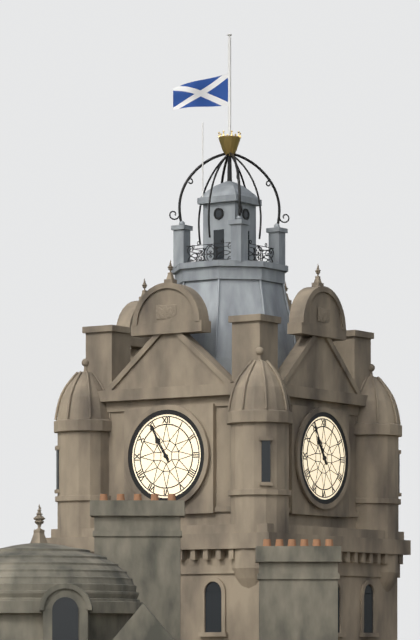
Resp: 10,55
